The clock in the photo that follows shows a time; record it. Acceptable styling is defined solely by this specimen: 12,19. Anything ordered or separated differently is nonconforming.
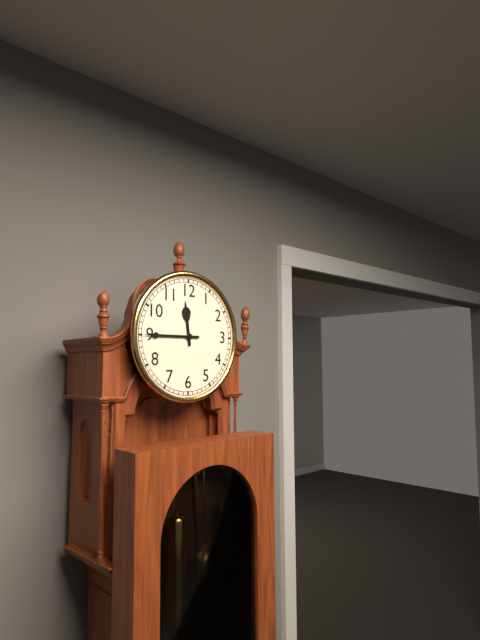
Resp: 11,45
